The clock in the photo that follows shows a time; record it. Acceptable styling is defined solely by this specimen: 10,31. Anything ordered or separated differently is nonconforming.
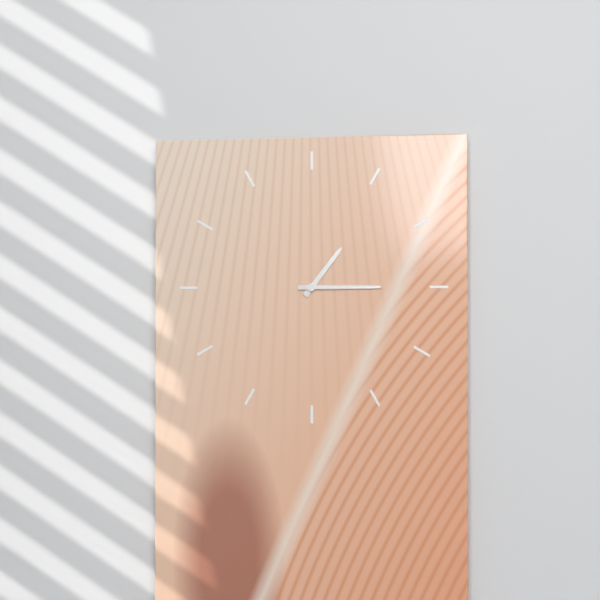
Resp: 1,15
